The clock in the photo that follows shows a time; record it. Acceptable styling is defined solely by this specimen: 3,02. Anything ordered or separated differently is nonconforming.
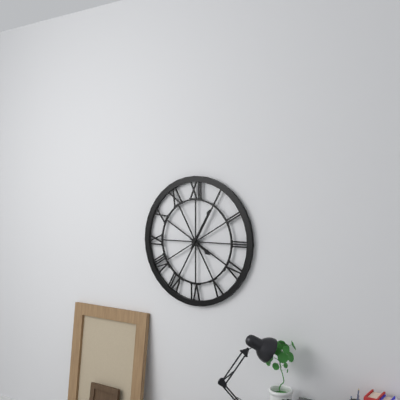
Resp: 4,05
